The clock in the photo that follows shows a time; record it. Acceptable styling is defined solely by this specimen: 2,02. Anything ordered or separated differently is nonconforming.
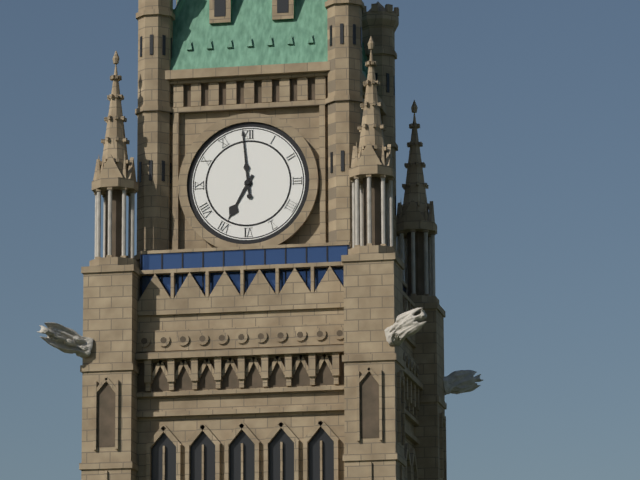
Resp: 6,59
